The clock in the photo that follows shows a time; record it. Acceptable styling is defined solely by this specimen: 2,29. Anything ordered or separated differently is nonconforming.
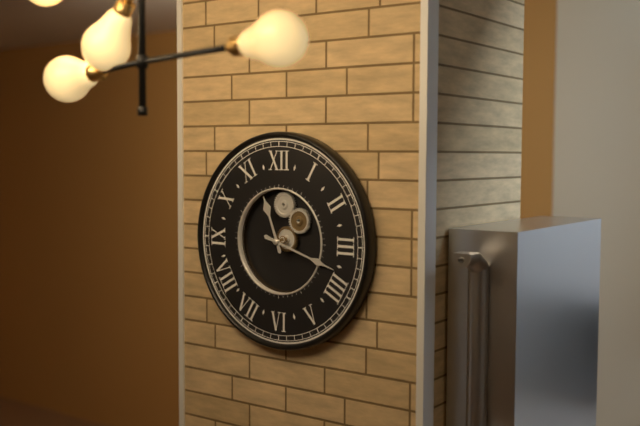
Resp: 11,18
